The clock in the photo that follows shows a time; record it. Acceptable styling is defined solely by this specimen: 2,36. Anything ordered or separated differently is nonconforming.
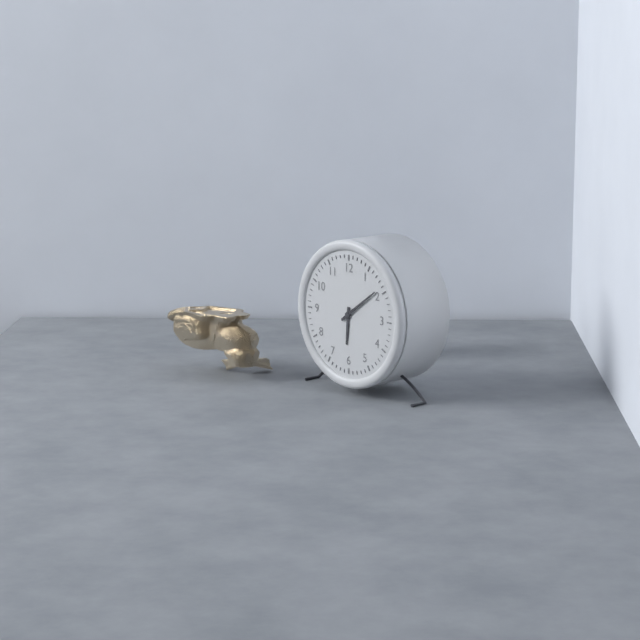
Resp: 6,09
